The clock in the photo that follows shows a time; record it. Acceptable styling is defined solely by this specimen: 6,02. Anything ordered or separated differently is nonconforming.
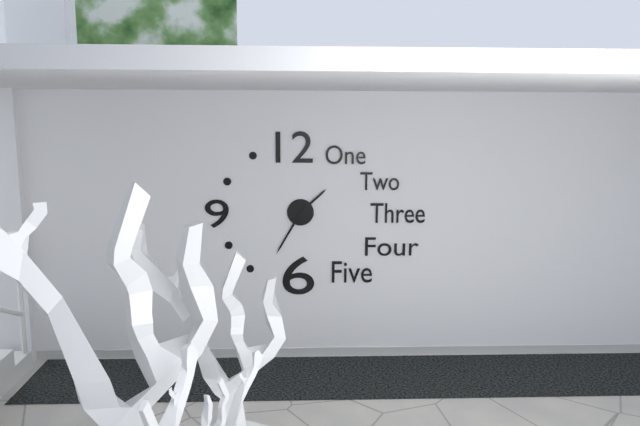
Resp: 1,35
